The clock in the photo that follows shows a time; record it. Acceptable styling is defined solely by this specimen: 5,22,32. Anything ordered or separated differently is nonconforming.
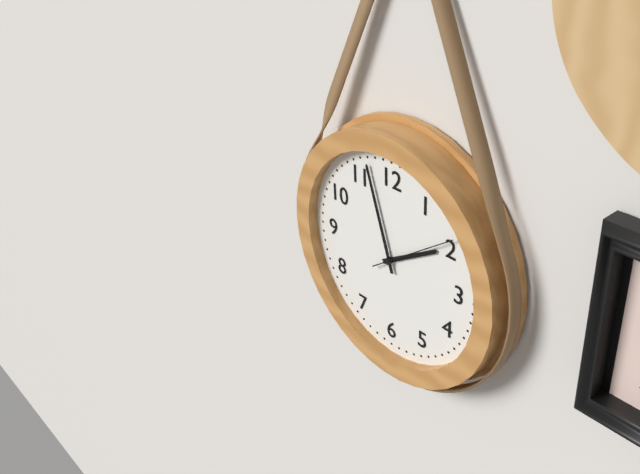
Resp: 1,57,09
